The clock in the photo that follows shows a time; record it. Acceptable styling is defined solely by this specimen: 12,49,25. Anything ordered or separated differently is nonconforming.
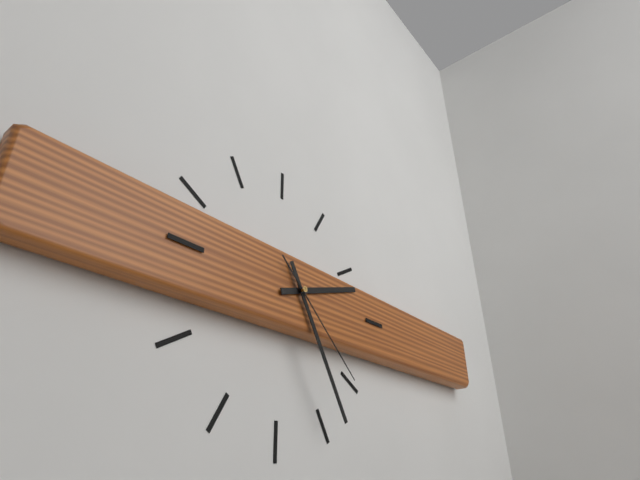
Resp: 2,25,22
